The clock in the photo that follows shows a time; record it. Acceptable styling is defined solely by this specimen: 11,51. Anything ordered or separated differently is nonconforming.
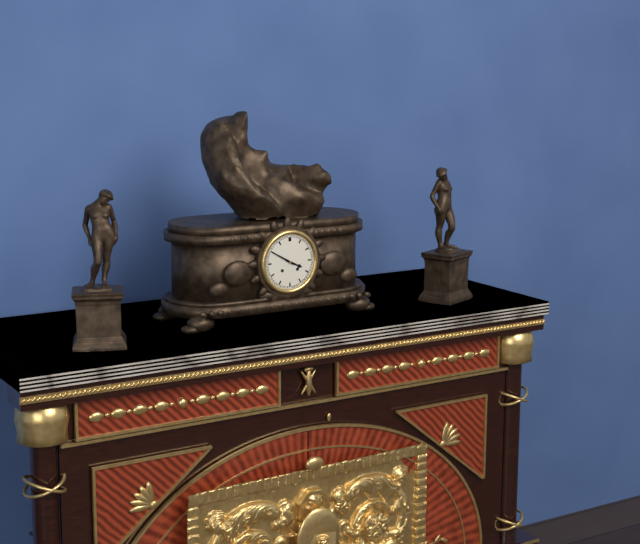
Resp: 3,50
